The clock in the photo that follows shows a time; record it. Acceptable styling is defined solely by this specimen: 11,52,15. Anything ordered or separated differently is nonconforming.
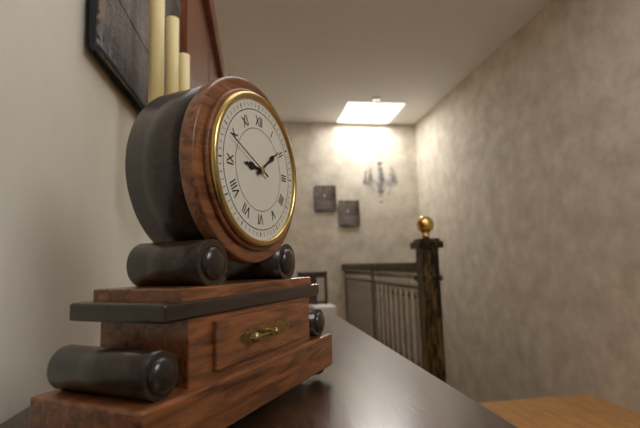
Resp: 9,09,49
